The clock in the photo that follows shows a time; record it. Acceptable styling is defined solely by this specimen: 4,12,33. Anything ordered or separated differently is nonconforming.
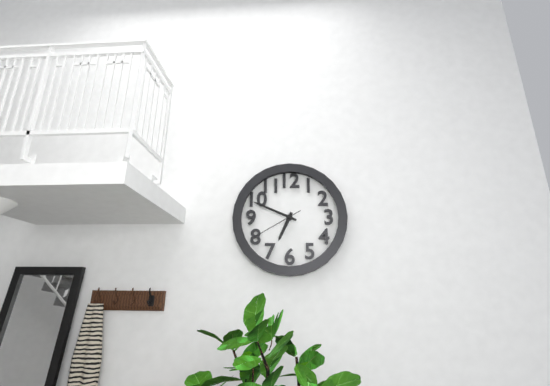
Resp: 6,49,40
